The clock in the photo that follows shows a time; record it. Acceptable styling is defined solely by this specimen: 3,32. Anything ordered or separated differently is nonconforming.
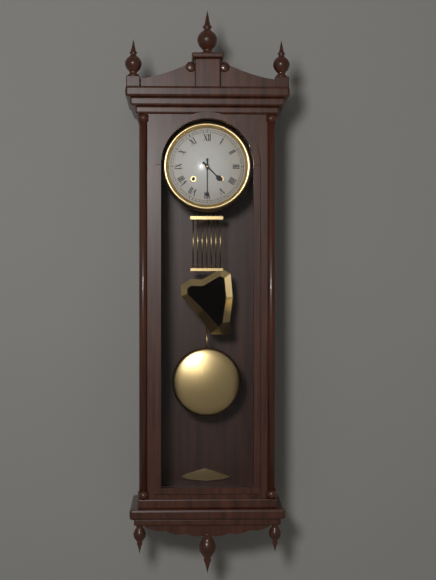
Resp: 4,30
